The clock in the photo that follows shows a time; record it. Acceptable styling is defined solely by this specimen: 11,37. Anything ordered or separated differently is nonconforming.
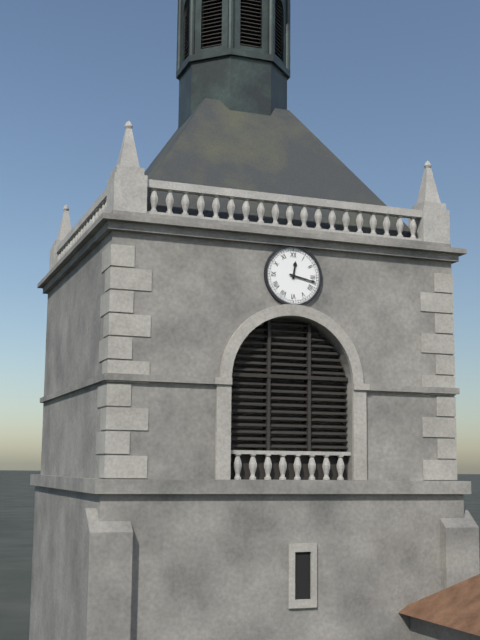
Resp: 12,17
